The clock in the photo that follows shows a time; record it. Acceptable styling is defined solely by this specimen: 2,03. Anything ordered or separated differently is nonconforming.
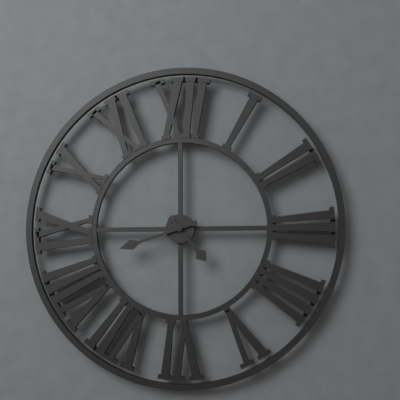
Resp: 4,42
